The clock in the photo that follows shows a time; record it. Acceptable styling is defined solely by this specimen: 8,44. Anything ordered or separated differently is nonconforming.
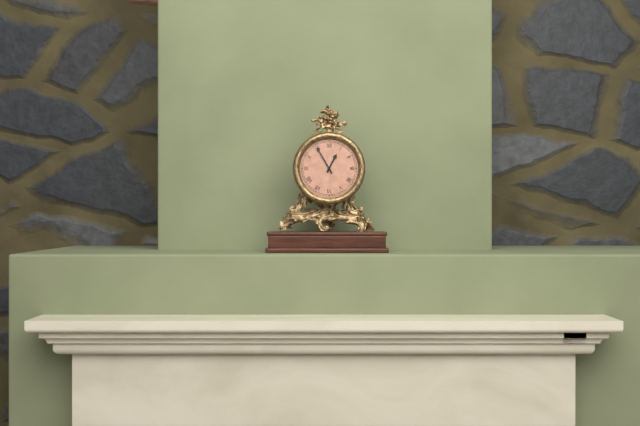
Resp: 12,55
